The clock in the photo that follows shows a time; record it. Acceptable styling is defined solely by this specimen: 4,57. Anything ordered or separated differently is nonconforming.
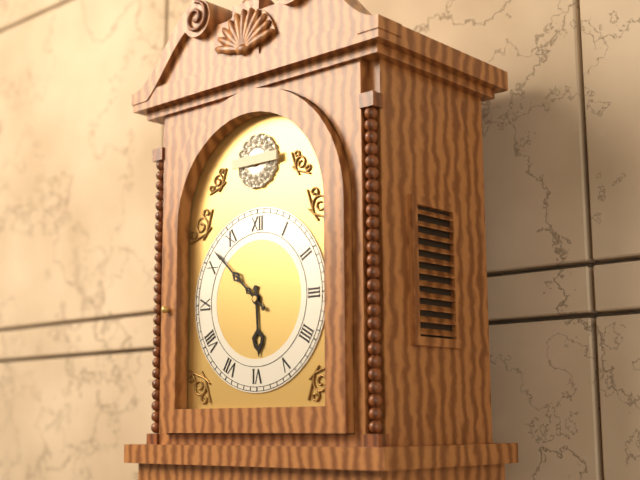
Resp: 5,52
